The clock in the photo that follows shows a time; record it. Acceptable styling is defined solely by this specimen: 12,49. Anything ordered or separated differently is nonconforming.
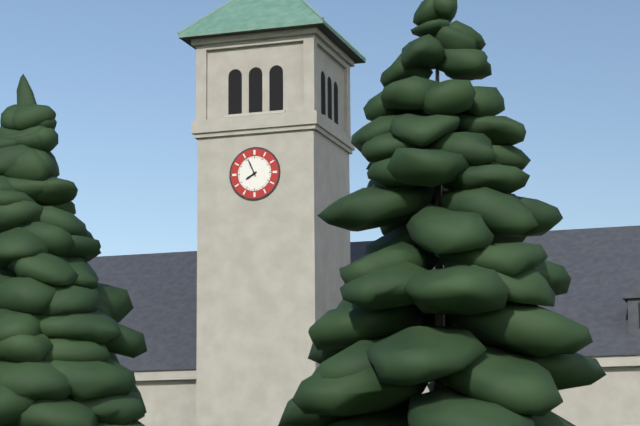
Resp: 7,56
